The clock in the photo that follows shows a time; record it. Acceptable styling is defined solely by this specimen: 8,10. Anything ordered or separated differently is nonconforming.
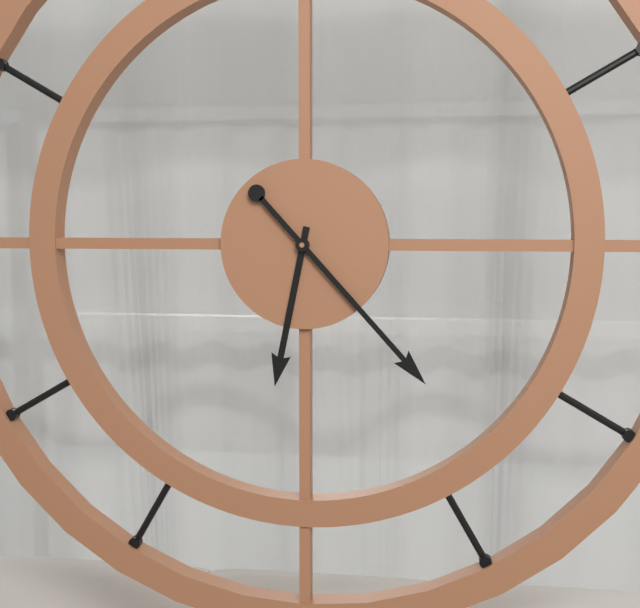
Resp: 6,23
